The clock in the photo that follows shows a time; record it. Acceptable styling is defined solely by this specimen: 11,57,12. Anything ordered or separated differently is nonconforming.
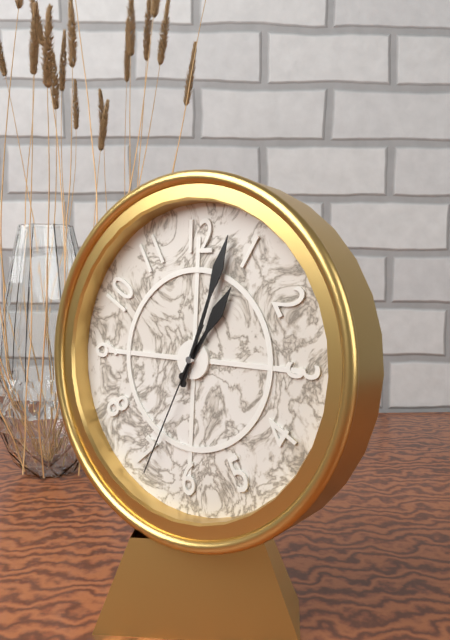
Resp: 1,03,34
